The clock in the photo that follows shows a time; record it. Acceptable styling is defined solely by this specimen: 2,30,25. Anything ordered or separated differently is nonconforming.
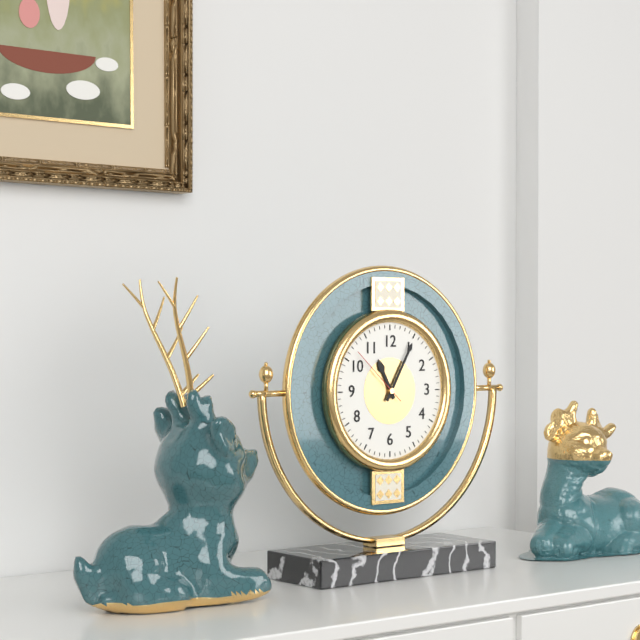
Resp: 11,05,52
